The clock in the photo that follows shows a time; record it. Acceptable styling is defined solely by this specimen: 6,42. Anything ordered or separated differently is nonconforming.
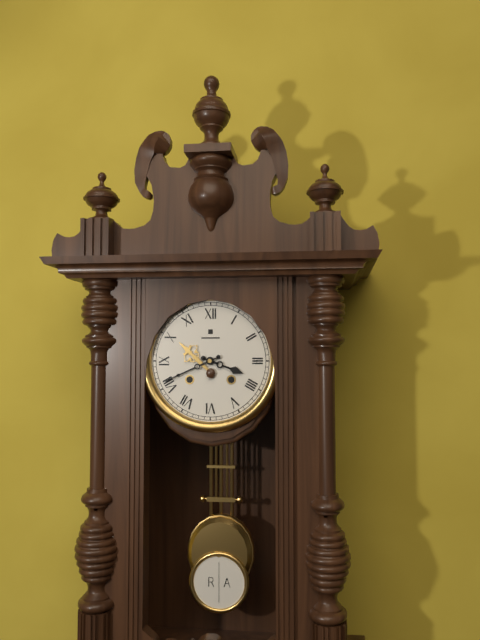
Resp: 3,41
